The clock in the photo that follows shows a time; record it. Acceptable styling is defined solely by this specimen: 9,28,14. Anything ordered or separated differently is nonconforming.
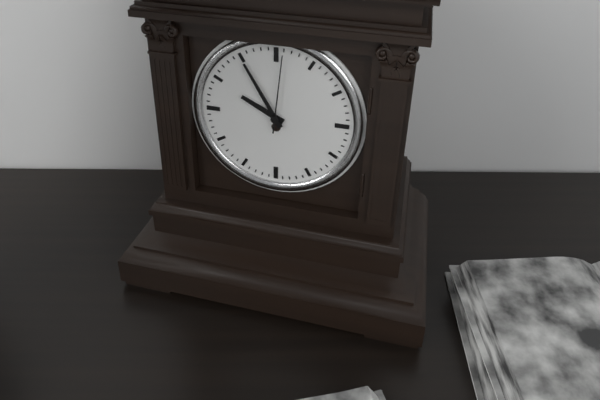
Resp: 9,55,01
